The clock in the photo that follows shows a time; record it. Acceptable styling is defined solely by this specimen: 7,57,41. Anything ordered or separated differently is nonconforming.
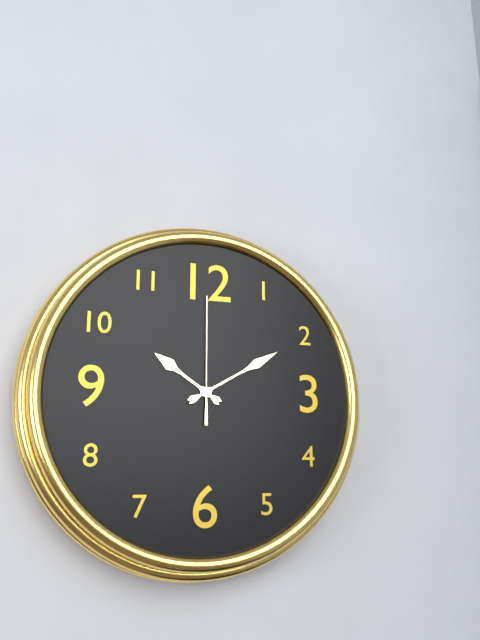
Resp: 10,10,00
